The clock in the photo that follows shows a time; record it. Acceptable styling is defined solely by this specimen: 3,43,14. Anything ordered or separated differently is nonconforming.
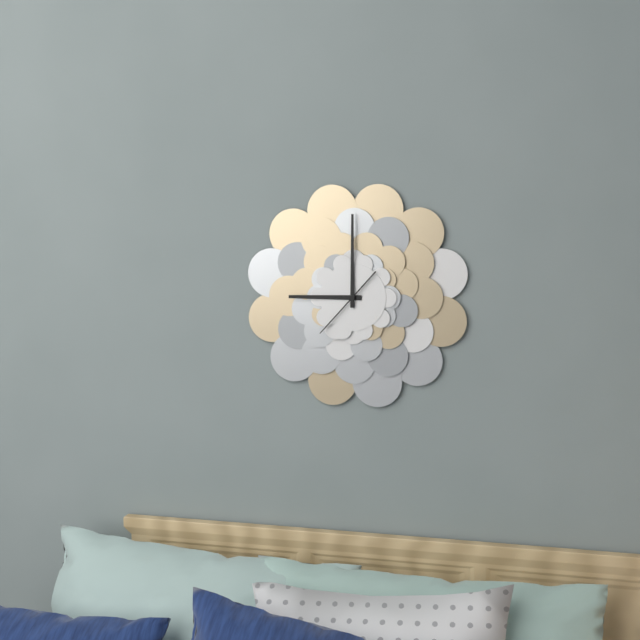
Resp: 9,00,37
